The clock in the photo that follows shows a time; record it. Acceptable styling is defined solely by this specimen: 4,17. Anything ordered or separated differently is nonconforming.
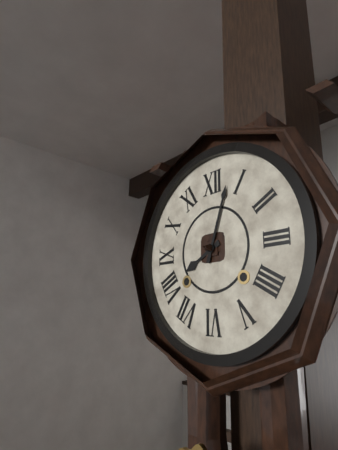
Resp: 8,03
